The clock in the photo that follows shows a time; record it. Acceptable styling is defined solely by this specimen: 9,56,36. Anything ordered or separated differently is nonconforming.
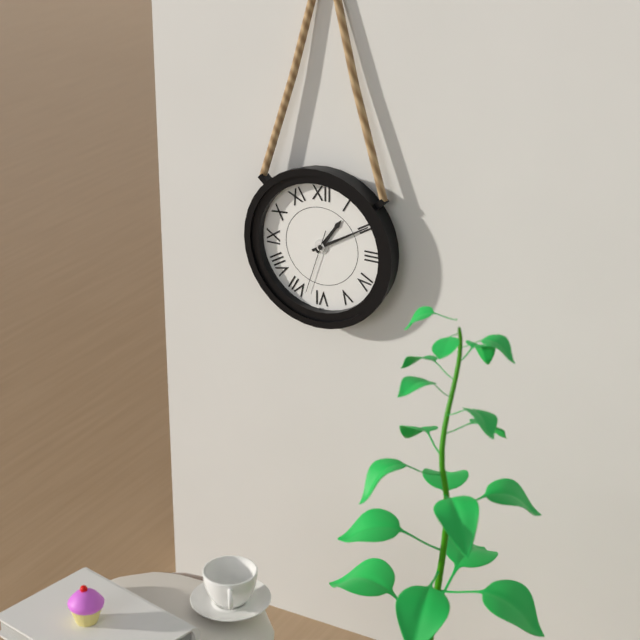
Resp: 1,10,33
